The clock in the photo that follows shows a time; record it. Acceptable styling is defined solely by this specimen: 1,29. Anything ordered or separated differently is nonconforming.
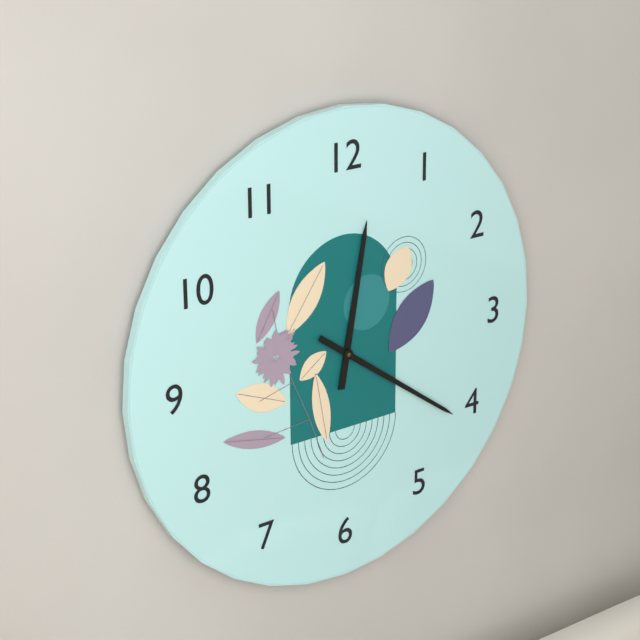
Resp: 12,21
